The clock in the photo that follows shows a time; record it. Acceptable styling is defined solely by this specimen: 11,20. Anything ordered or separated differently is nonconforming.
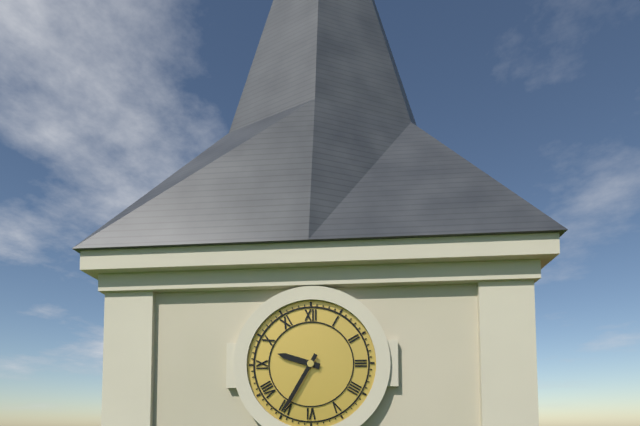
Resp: 9,35
